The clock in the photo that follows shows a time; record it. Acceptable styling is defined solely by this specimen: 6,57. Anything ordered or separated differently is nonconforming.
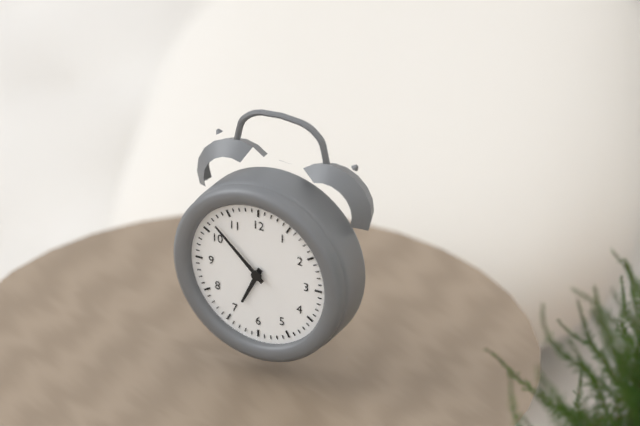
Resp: 6,52
